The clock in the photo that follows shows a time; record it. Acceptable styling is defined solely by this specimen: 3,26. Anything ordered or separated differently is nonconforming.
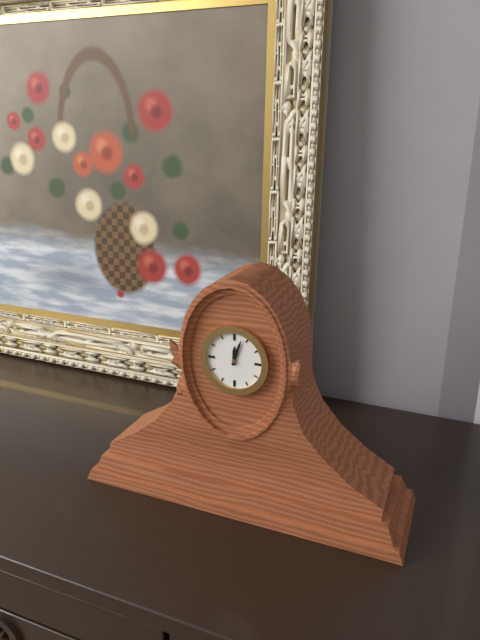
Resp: 12,03
